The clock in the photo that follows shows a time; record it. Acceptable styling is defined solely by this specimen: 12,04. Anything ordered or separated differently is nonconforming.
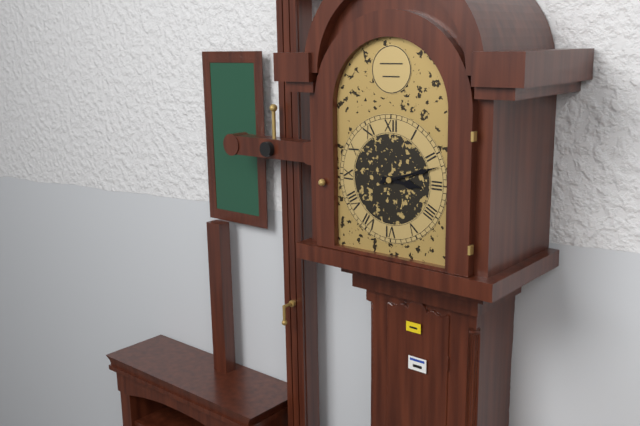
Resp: 3,12
